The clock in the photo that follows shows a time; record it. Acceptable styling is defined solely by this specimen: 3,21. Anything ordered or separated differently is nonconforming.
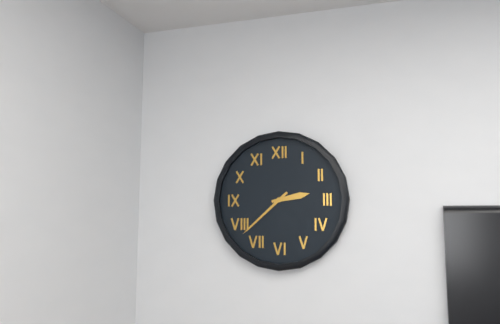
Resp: 2,38
